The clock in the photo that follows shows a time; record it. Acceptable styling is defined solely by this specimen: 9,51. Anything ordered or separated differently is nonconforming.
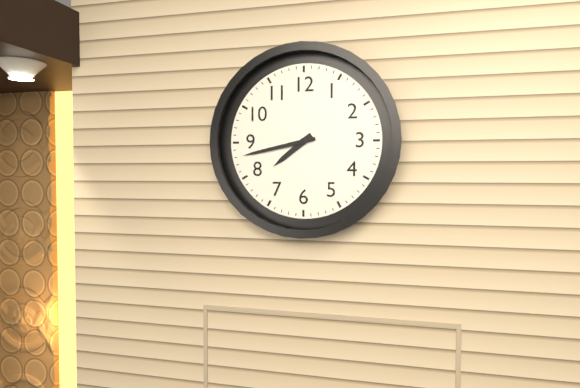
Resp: 7,43
